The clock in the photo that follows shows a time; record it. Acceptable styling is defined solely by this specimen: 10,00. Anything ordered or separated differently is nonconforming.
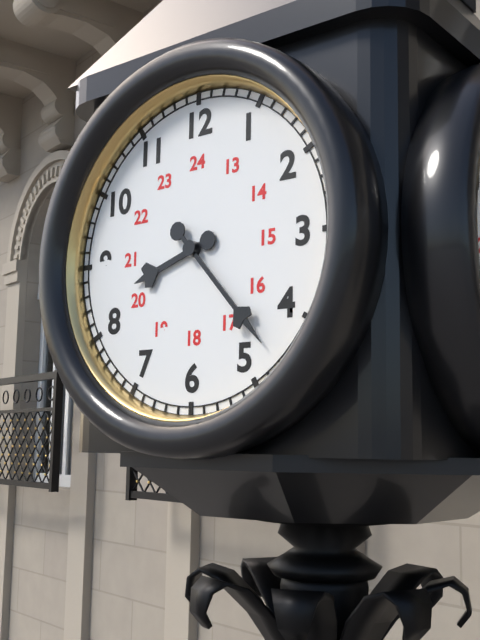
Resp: 8,23
